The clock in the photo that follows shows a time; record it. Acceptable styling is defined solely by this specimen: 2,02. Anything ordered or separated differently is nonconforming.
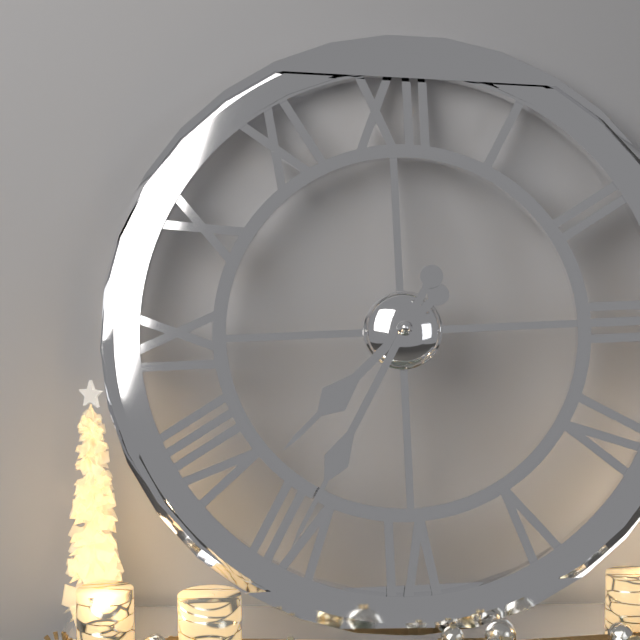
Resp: 7,35
